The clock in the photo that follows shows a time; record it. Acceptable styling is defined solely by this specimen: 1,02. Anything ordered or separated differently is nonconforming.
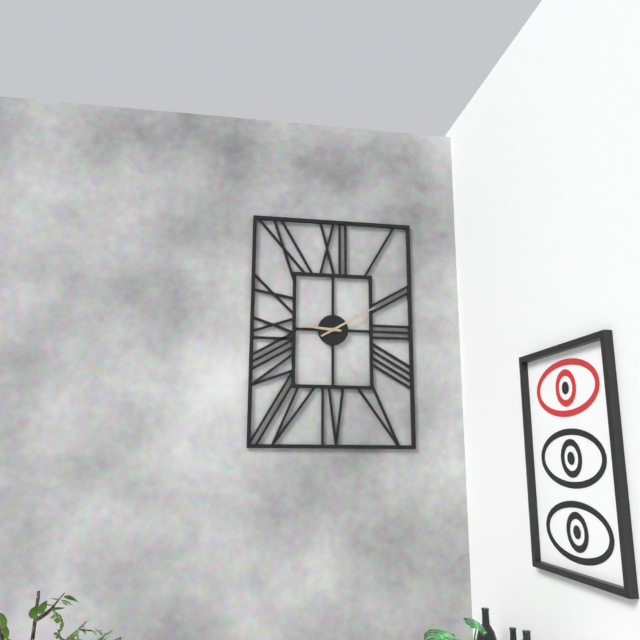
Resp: 9,10
